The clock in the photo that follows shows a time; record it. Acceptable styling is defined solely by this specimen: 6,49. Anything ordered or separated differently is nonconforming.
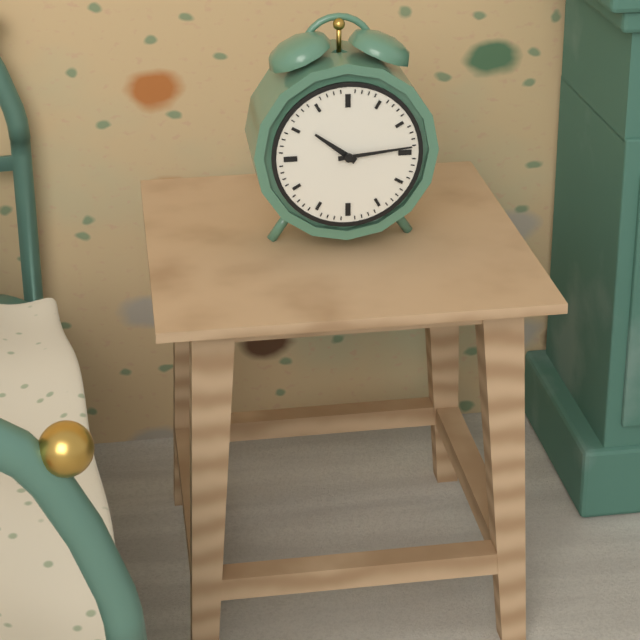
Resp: 10,14
